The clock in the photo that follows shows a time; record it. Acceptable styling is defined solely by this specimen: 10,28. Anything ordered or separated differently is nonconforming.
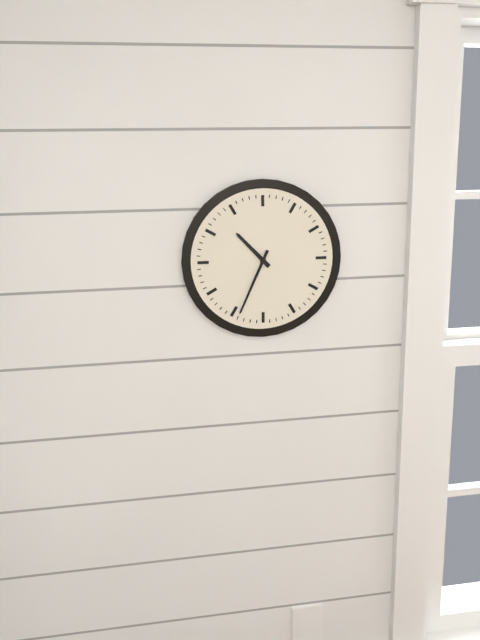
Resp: 10,34
